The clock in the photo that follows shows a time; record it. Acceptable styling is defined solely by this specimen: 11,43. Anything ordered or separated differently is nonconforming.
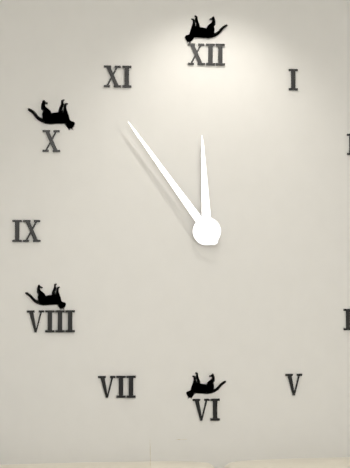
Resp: 11,54
